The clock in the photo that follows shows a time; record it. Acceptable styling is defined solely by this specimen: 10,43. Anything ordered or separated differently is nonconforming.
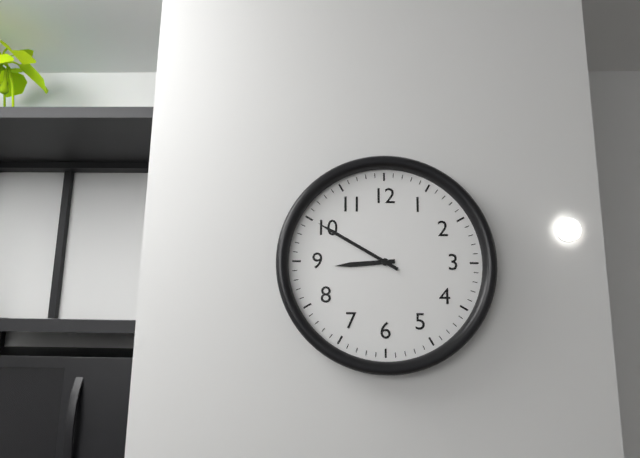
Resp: 8,50
